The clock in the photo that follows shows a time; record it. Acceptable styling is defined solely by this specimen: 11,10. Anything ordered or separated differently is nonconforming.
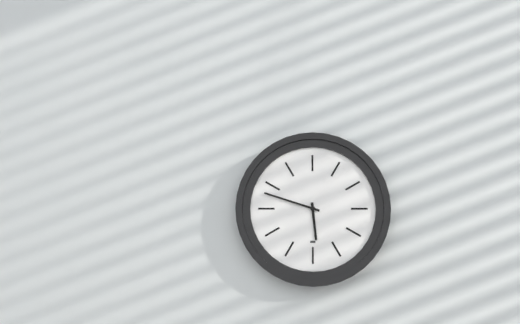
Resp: 5,48
